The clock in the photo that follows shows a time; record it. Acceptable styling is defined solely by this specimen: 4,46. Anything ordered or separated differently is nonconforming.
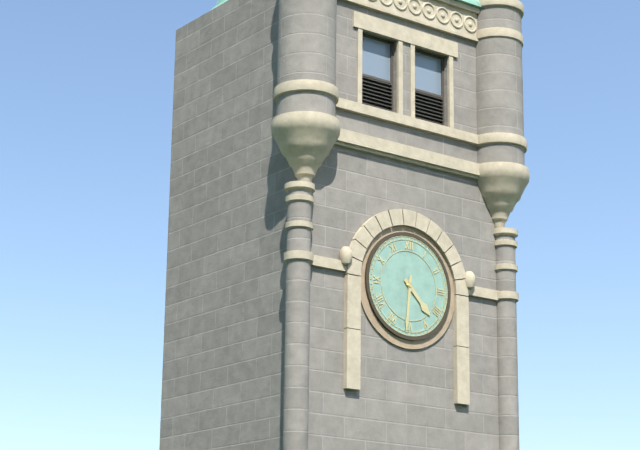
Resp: 4,31
